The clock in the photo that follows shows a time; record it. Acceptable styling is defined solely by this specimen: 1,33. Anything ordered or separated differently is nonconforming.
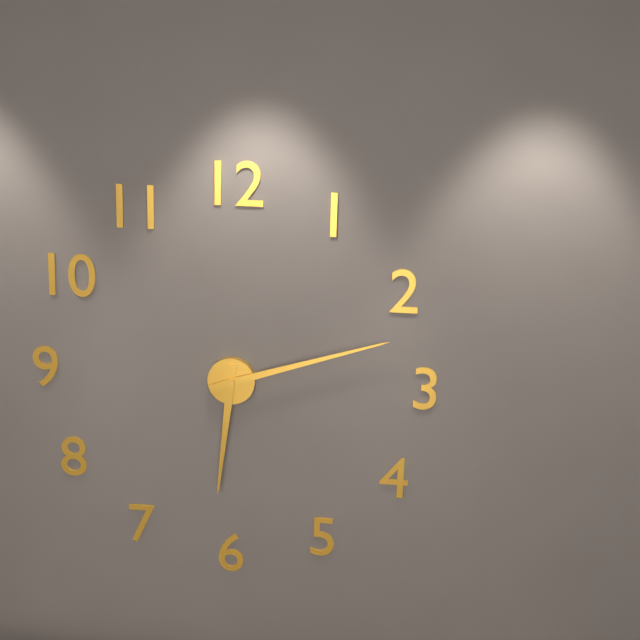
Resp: 6,12
